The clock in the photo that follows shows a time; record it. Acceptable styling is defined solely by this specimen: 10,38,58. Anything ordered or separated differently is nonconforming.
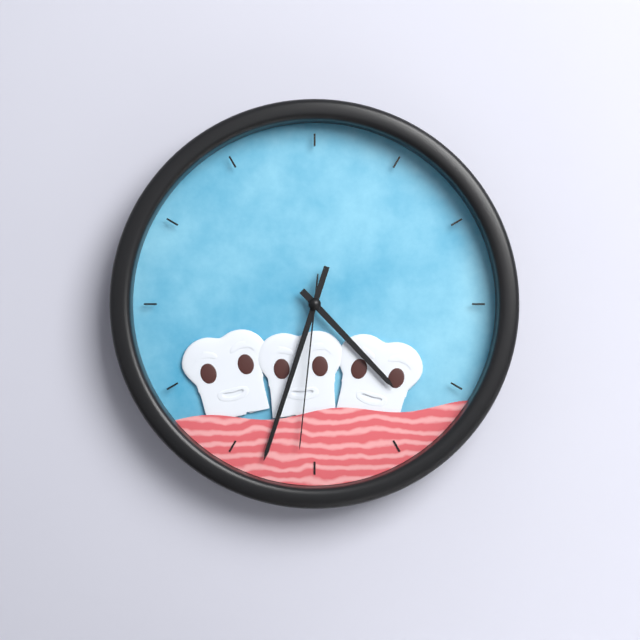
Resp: 4,33,31
